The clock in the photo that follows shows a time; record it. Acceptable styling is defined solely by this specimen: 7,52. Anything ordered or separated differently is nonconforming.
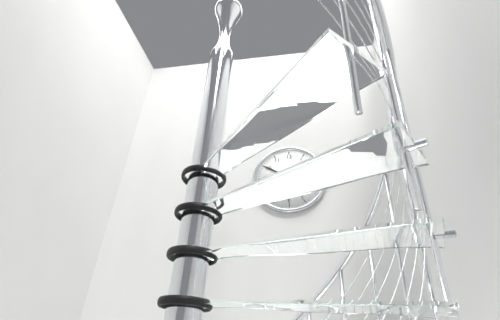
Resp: 6,50
